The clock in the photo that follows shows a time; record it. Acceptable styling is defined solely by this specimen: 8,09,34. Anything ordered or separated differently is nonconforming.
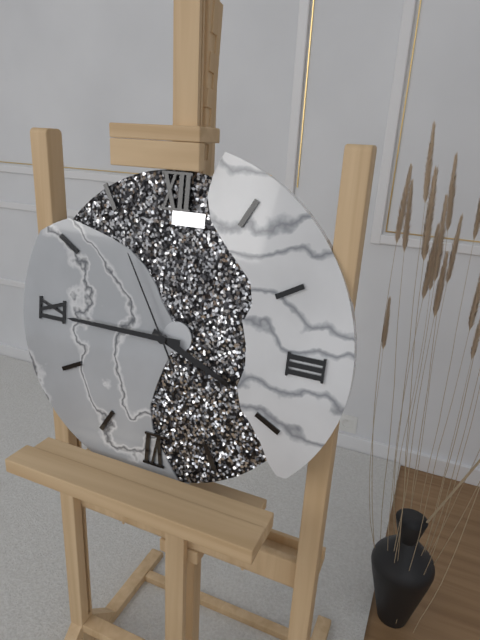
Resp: 3,45,55
